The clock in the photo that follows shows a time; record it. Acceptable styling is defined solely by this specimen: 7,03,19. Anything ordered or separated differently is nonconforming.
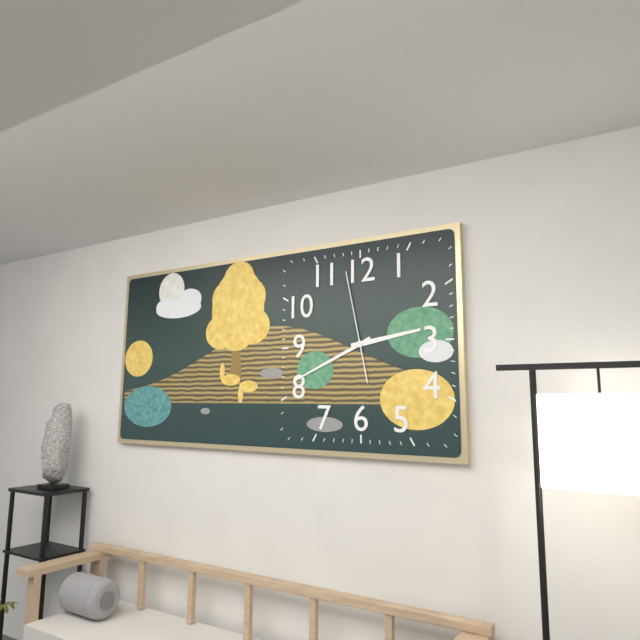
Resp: 2,41,58
